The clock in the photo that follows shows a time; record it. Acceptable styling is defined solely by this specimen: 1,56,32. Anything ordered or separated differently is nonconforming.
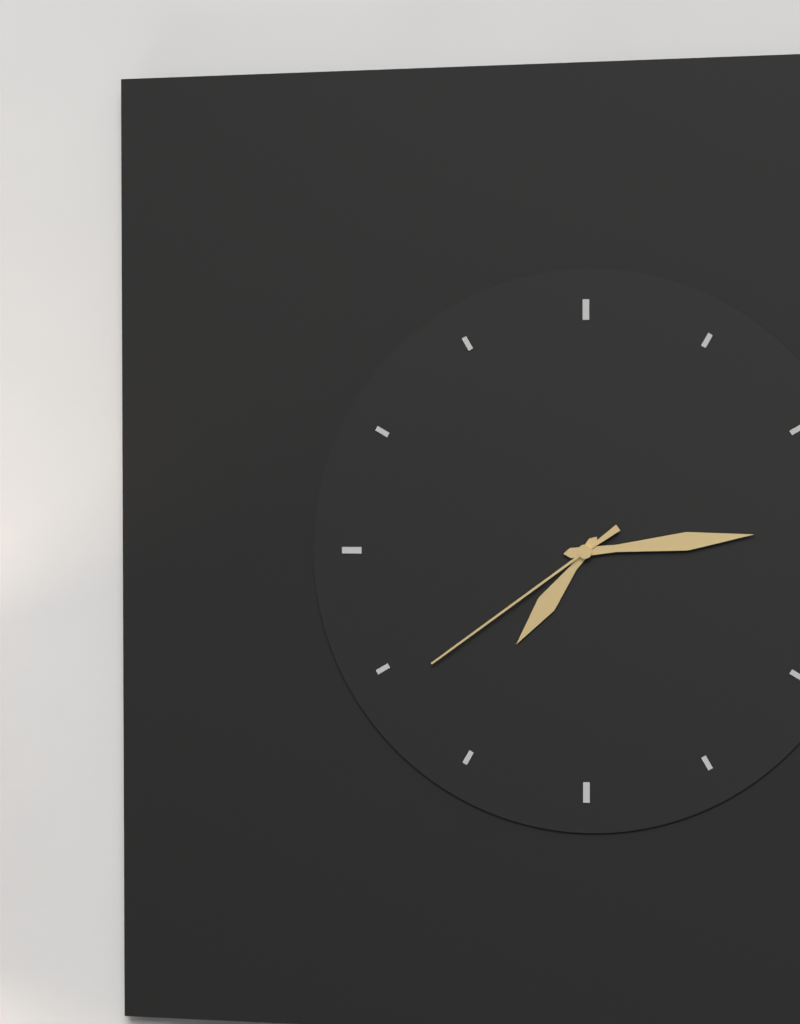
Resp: 7,14,39
